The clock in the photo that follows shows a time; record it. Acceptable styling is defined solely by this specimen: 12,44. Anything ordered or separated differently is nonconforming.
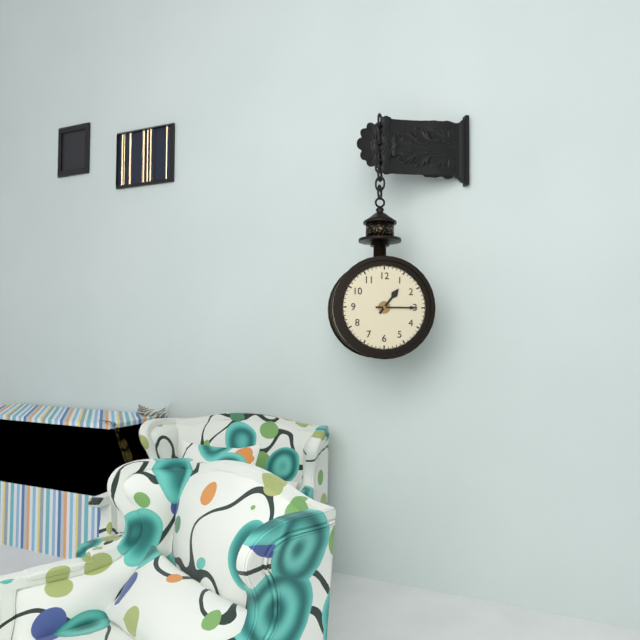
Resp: 1,15
